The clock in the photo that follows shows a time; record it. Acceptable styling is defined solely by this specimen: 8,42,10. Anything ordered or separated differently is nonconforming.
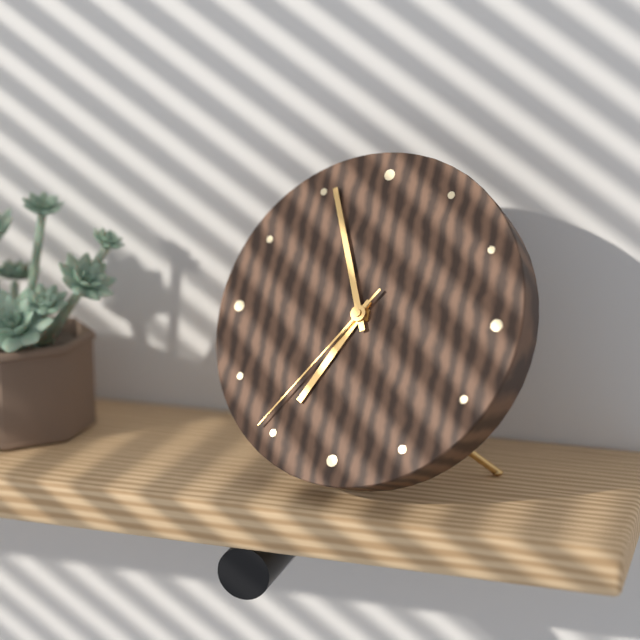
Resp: 6,56,36
